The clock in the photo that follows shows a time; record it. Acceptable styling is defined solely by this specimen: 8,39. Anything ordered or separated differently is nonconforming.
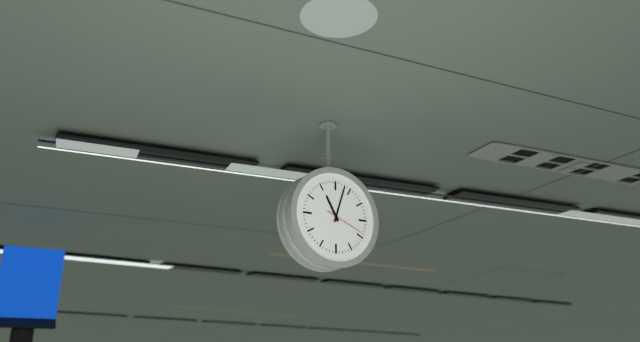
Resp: 11,03
